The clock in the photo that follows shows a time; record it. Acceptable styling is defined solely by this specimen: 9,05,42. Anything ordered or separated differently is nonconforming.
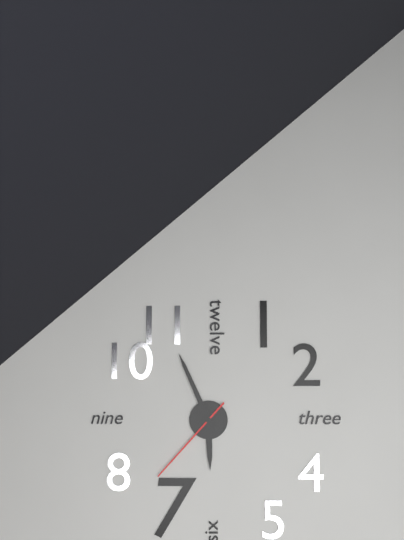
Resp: 5,56,37
